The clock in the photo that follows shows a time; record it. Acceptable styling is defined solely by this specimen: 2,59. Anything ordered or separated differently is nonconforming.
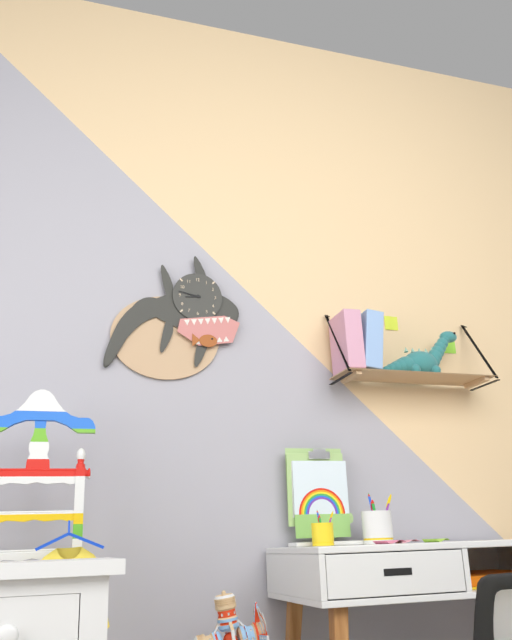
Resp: 8,47
